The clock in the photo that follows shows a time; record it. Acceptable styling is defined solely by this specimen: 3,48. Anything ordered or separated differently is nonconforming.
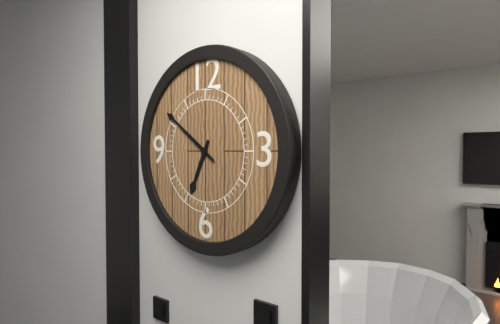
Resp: 6,51
